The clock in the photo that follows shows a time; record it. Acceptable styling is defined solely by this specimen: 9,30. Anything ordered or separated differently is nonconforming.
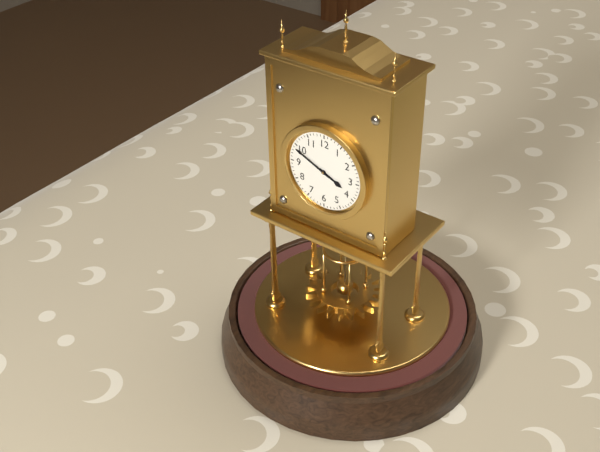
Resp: 3,49
